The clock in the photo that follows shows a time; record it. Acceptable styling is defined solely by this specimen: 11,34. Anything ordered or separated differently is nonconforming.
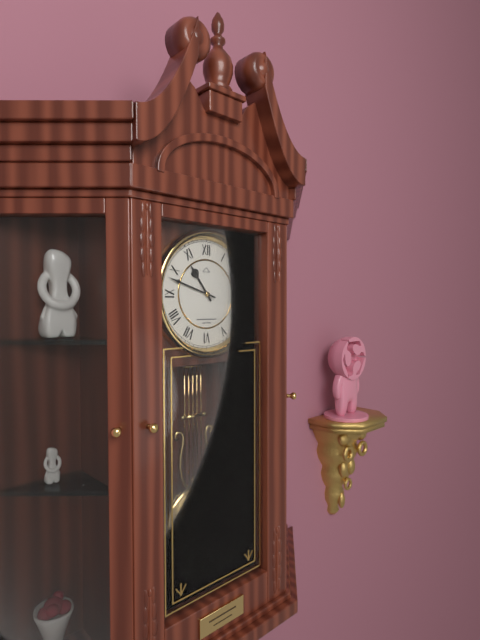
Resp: 10,48
